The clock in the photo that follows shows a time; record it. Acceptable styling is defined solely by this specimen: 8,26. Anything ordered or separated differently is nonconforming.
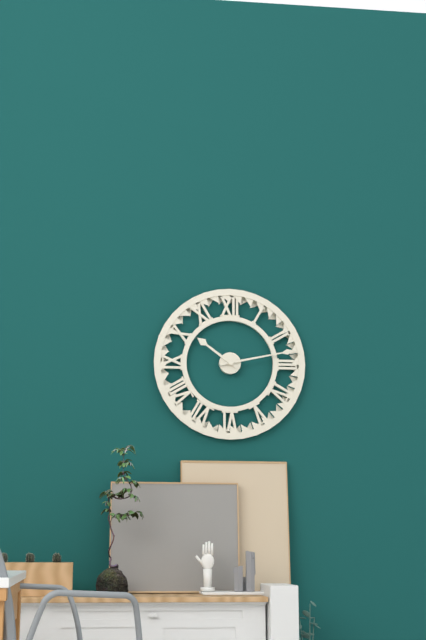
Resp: 10,13
